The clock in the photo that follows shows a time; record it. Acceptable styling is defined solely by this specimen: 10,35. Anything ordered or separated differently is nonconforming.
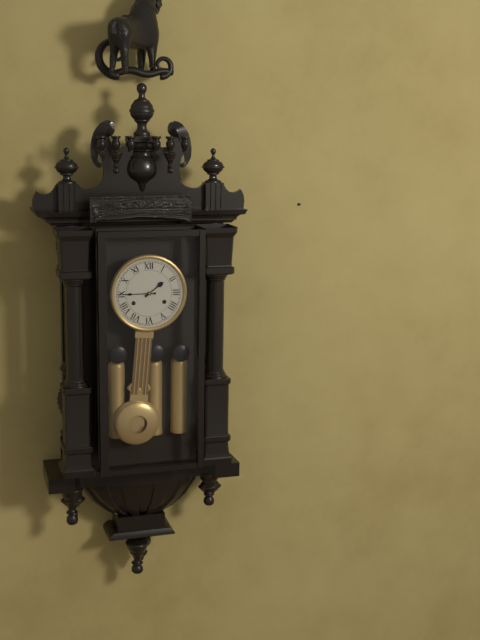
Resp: 1,45
